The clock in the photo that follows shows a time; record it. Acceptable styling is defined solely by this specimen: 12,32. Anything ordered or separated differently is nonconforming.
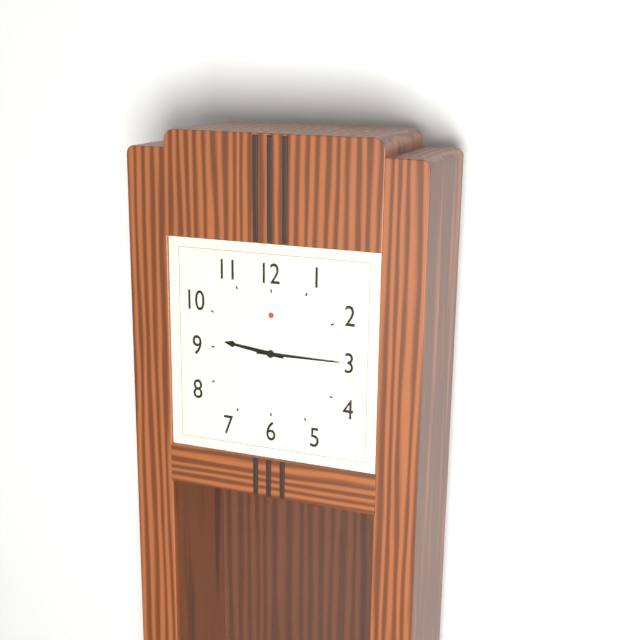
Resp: 9,15
